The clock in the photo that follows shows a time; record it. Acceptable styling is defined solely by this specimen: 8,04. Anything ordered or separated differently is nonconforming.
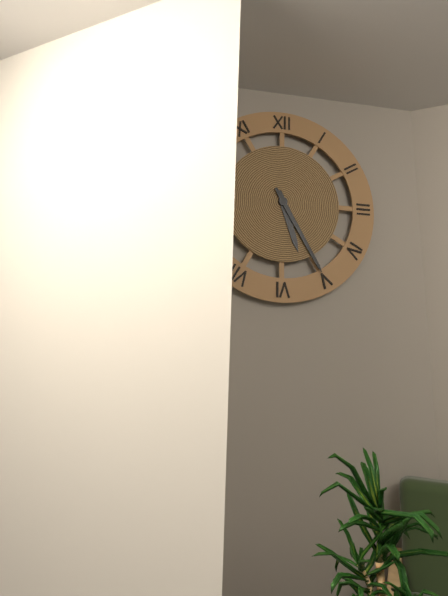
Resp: 5,25
